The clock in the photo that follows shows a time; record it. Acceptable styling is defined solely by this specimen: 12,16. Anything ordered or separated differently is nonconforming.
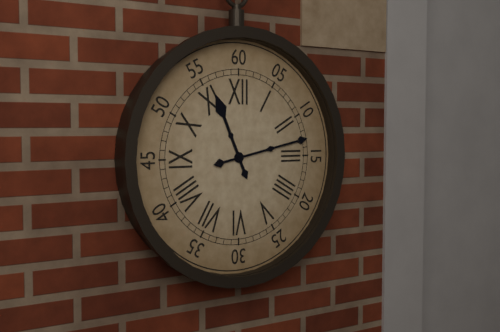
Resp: 11,13
